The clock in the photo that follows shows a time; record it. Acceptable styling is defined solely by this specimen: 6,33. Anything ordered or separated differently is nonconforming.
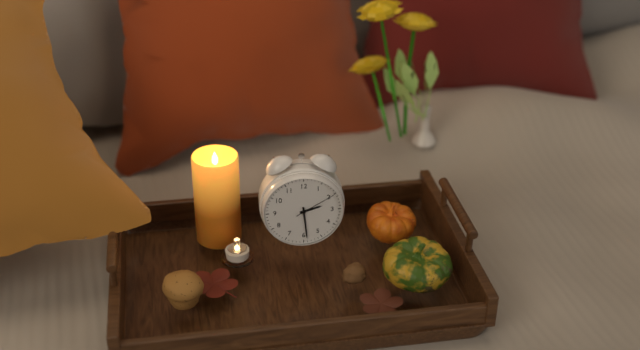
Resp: 2,29
